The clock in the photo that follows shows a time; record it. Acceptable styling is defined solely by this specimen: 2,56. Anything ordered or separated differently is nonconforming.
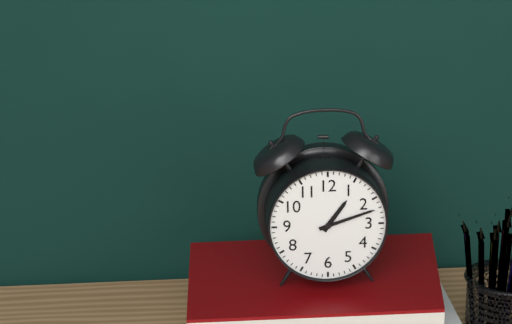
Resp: 1,12
